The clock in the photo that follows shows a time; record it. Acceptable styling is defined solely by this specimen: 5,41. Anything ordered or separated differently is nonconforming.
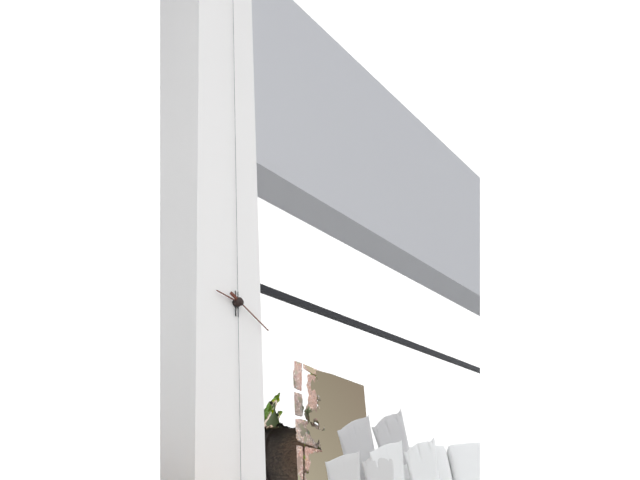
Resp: 9,20
